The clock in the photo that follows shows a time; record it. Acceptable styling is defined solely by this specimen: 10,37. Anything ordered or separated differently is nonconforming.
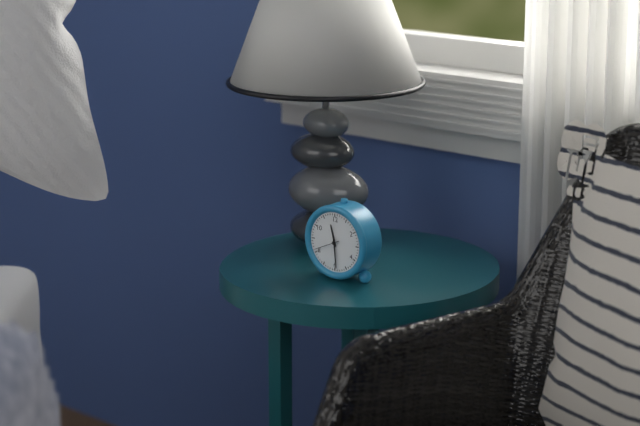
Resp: 11,29
